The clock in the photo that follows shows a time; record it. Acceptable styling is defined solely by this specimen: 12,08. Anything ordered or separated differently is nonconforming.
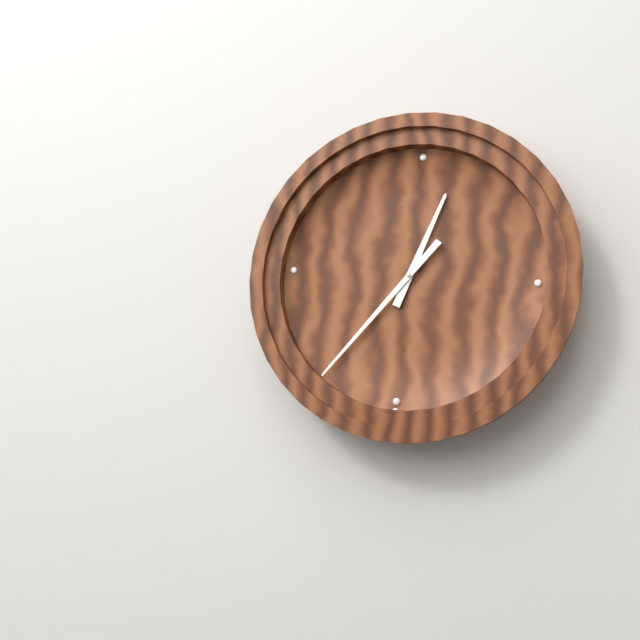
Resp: 12,36
